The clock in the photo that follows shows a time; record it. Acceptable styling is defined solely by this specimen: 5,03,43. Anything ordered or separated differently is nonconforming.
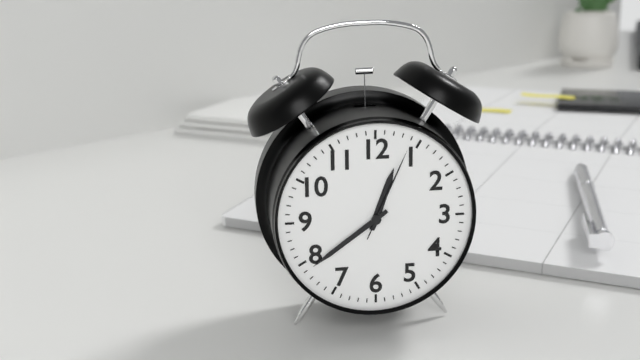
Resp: 12,39,04
